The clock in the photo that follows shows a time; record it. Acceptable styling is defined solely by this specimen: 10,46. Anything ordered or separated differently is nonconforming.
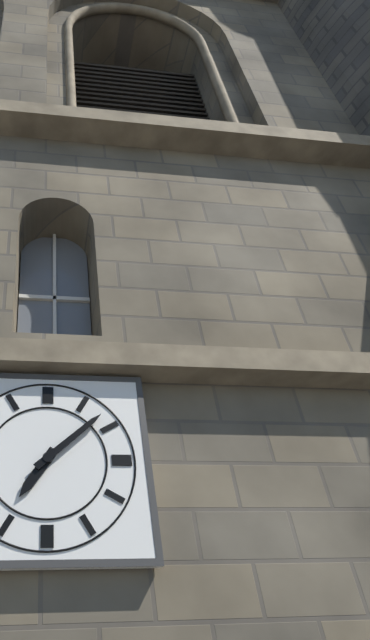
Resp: 7,08
